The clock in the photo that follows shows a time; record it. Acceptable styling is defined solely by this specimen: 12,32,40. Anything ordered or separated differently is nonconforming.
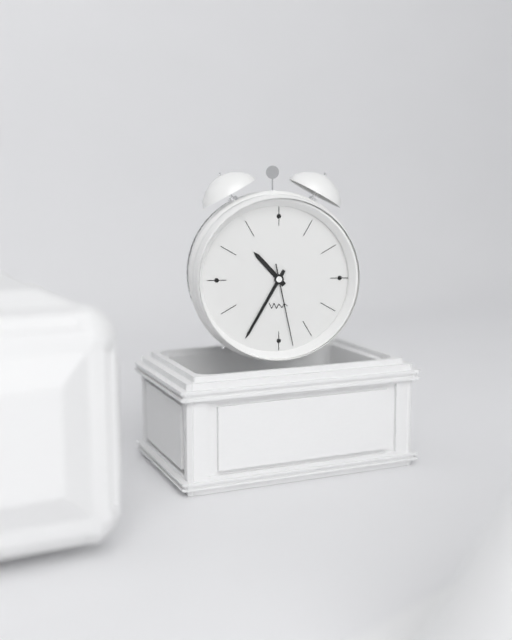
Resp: 10,35,28
